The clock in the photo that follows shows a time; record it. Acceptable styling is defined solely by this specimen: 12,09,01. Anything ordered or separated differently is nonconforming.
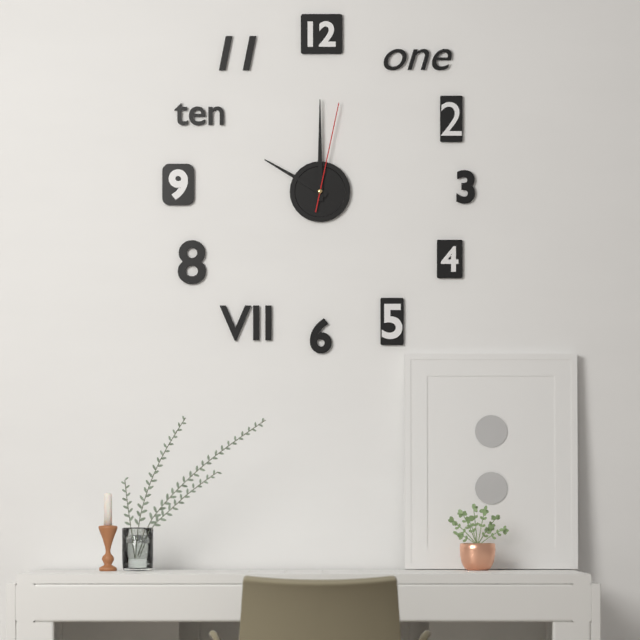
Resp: 10,00,02
